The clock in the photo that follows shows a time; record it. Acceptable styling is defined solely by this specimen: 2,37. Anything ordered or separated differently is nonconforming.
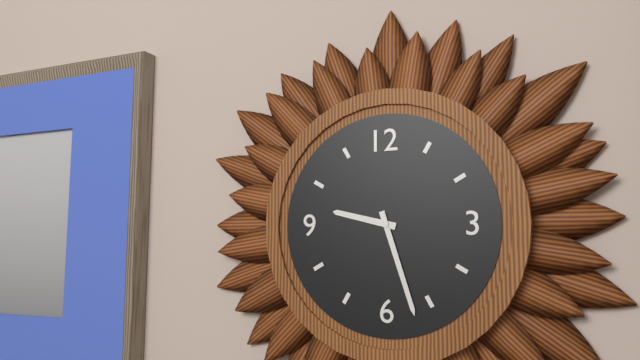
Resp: 9,27
